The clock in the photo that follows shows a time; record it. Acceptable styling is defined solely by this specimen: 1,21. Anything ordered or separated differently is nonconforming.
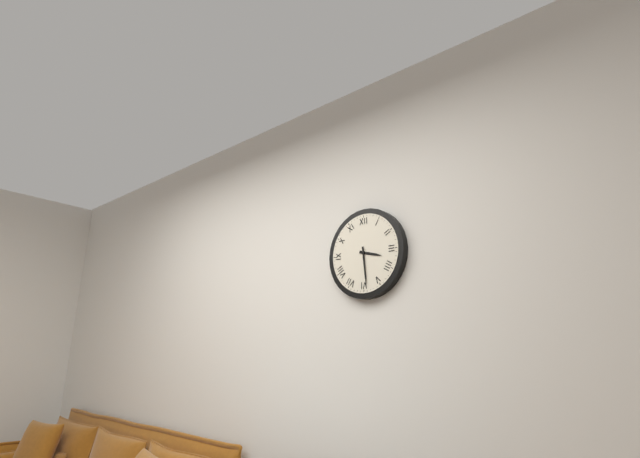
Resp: 3,29
